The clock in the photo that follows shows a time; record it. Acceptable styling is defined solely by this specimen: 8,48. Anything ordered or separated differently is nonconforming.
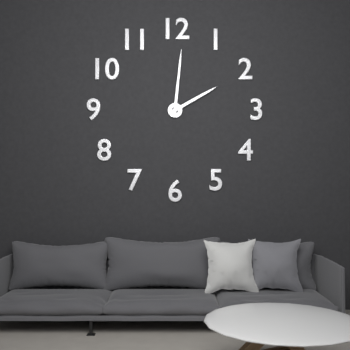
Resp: 2,01
